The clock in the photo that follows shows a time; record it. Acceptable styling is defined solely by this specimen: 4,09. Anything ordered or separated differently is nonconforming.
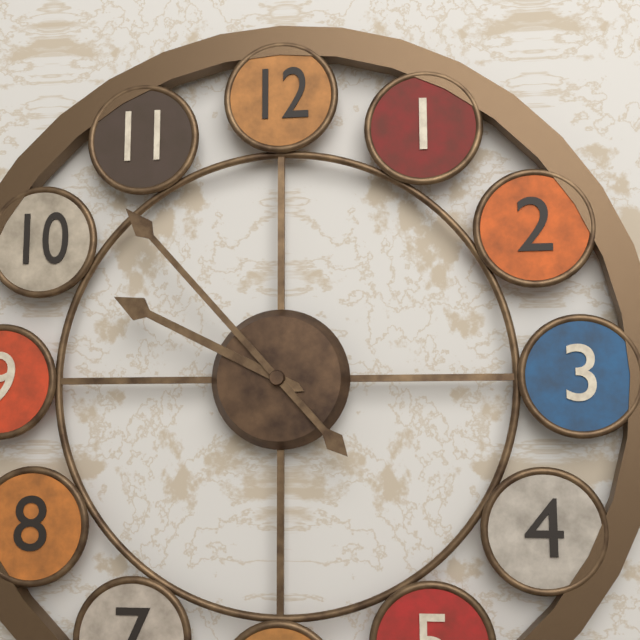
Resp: 9,53
